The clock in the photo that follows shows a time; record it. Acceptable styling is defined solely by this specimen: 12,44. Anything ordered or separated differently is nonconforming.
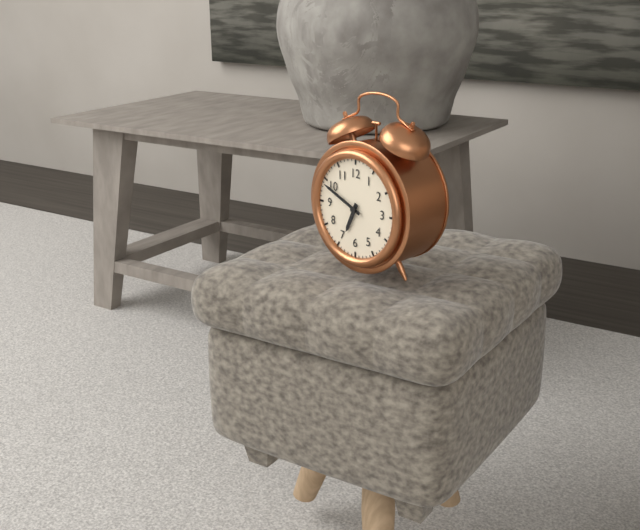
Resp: 6,49
